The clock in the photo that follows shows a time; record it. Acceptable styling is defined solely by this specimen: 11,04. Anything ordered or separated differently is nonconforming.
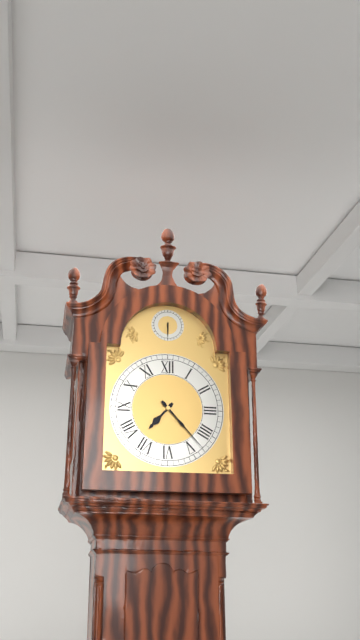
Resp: 7,23
